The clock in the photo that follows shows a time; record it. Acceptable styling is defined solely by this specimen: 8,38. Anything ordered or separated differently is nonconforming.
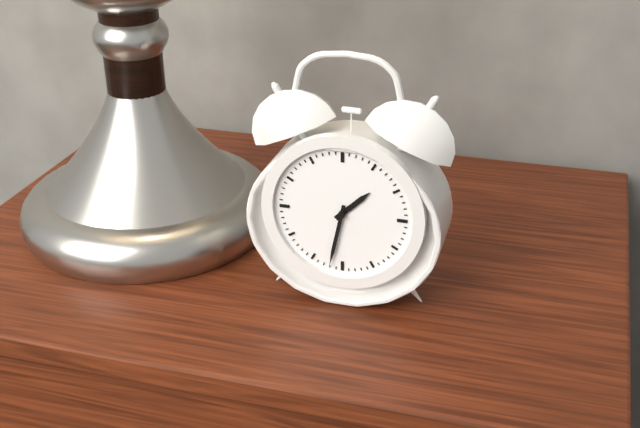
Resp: 1,32
